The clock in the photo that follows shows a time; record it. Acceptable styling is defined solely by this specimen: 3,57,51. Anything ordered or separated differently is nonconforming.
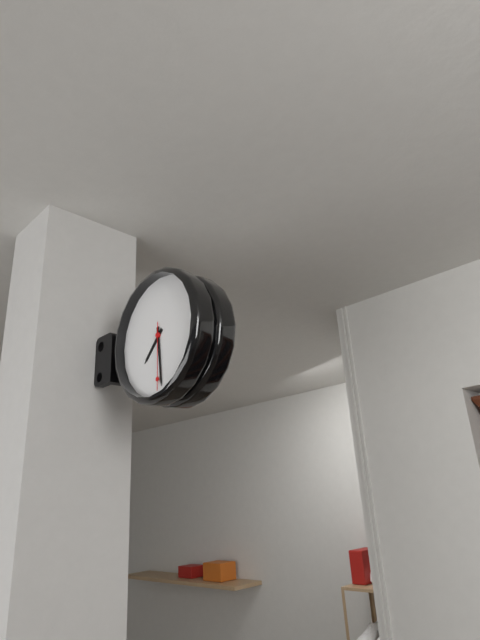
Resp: 7,29,30
